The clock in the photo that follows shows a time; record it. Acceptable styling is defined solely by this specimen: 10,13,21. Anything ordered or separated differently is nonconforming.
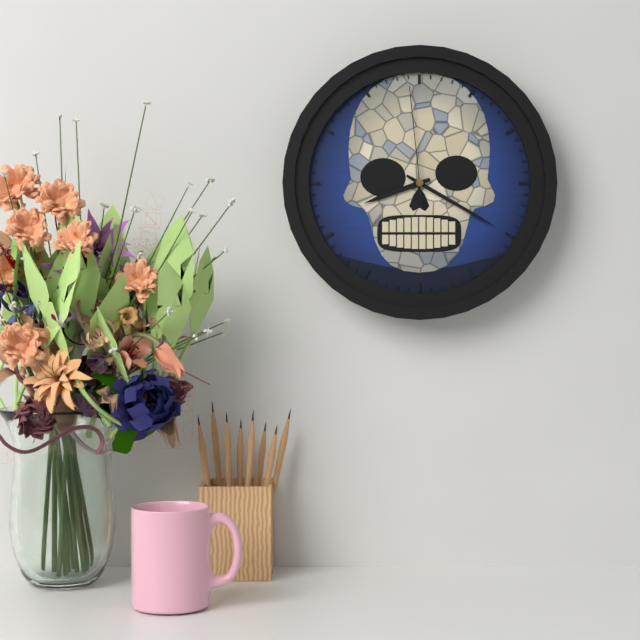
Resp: 8,20,59
